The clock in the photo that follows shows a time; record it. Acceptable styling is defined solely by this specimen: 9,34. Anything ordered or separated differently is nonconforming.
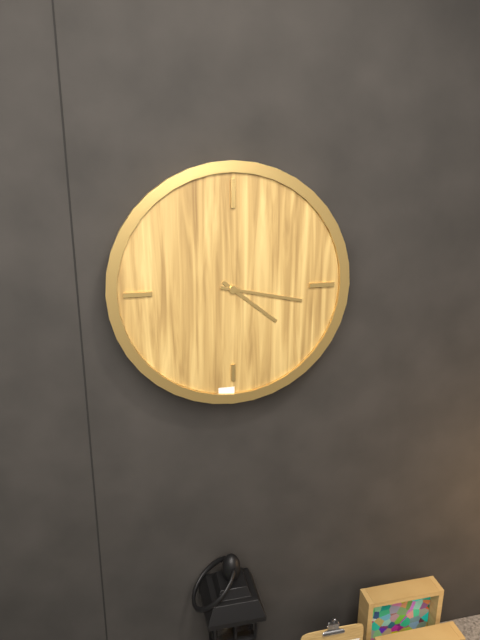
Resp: 4,17
